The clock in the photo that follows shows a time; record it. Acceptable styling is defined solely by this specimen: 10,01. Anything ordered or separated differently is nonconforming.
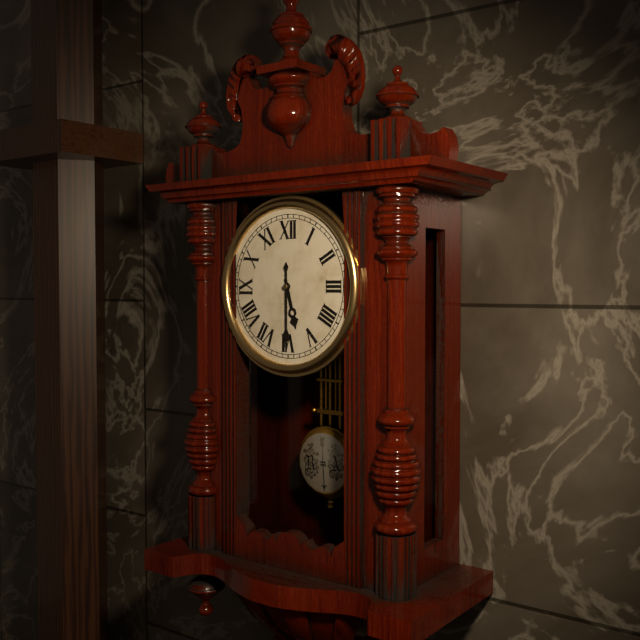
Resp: 5,30
